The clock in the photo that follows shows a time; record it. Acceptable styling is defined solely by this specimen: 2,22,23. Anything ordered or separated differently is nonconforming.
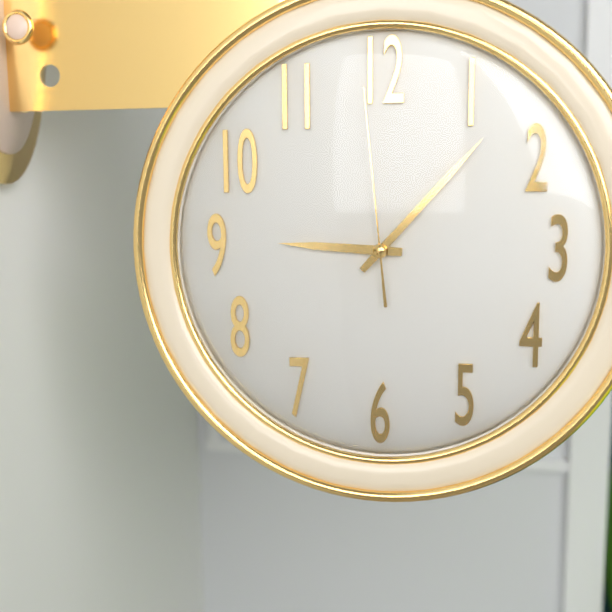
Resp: 9,07,59
